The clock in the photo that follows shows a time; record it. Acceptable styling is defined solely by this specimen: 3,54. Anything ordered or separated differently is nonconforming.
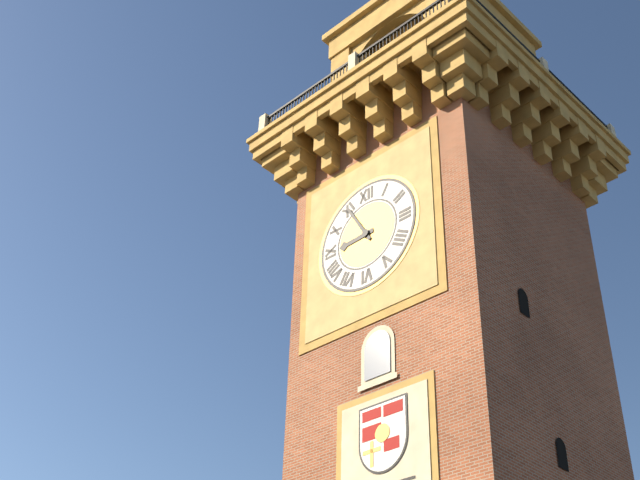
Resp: 8,55
